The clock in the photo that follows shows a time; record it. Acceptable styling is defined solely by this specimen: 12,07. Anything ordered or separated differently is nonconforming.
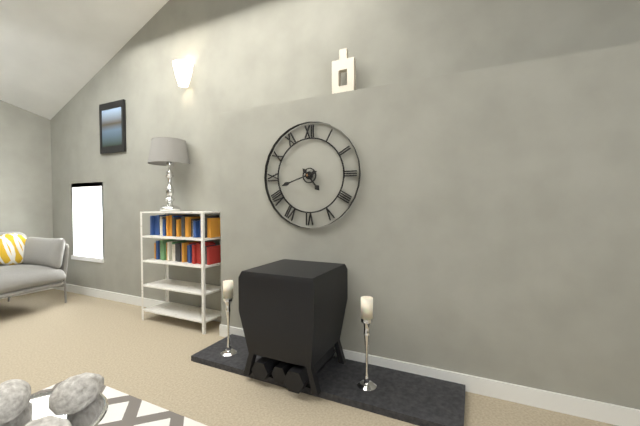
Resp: 4,42
